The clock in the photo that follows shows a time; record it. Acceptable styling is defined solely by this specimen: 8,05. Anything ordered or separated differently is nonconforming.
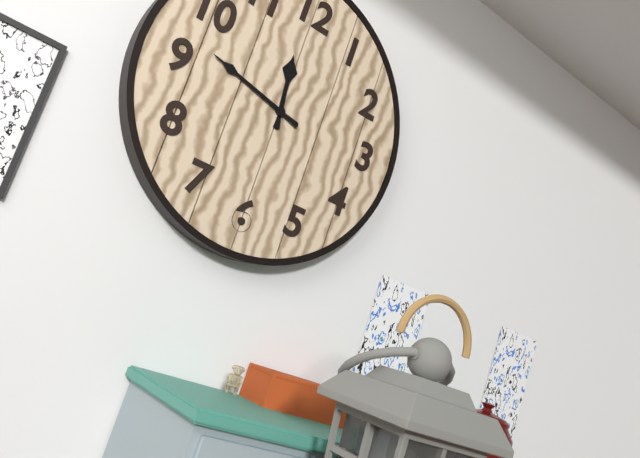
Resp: 11,47
